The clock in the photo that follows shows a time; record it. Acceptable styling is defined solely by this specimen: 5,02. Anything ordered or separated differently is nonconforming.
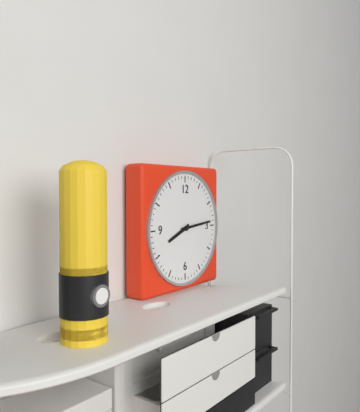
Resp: 8,14
